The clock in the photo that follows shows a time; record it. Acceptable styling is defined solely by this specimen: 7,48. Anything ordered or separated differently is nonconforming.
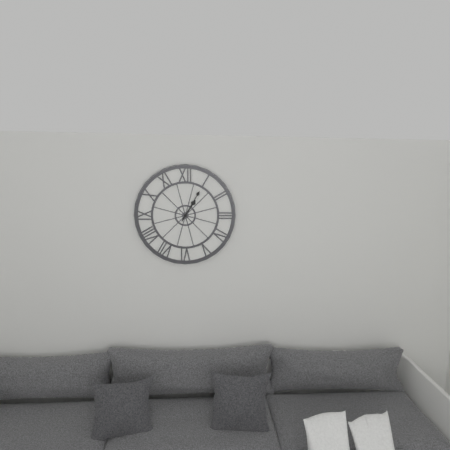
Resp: 1,05
